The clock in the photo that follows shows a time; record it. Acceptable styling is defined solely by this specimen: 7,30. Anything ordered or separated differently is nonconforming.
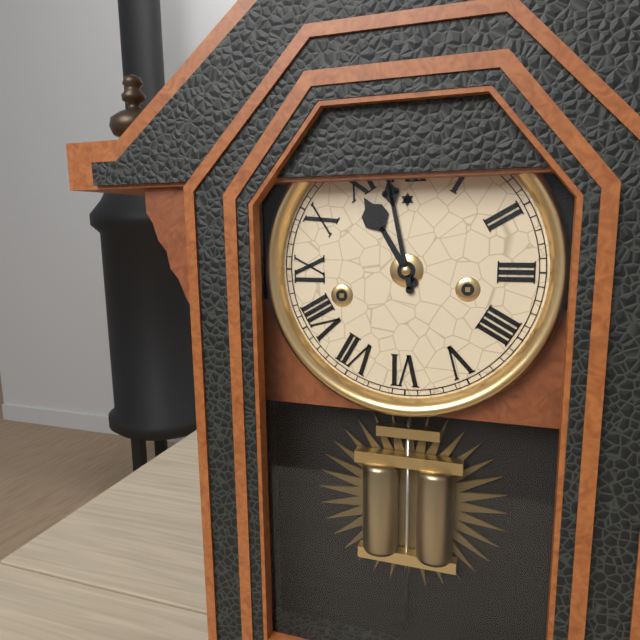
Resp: 10,58
